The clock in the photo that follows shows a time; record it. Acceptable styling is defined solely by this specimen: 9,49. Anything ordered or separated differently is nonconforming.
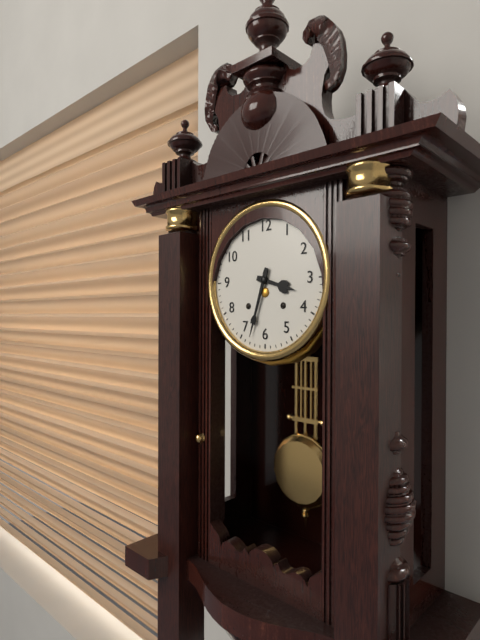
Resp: 3,33
